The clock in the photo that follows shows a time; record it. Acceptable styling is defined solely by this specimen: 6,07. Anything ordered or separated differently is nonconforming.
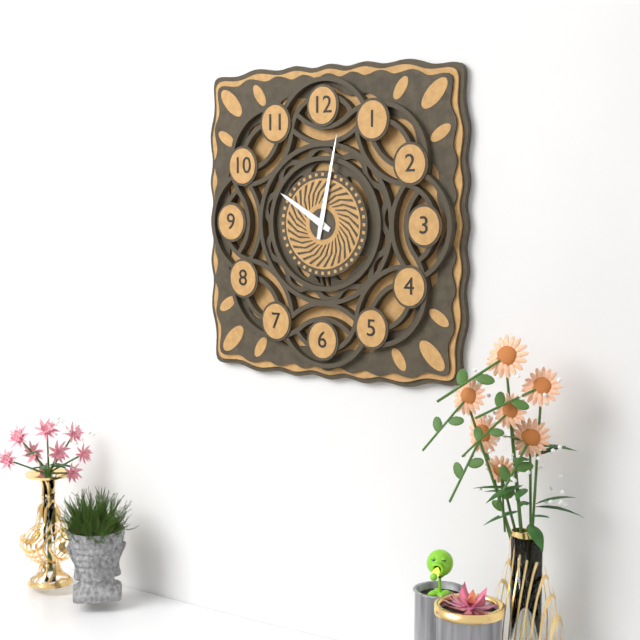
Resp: 10,02
